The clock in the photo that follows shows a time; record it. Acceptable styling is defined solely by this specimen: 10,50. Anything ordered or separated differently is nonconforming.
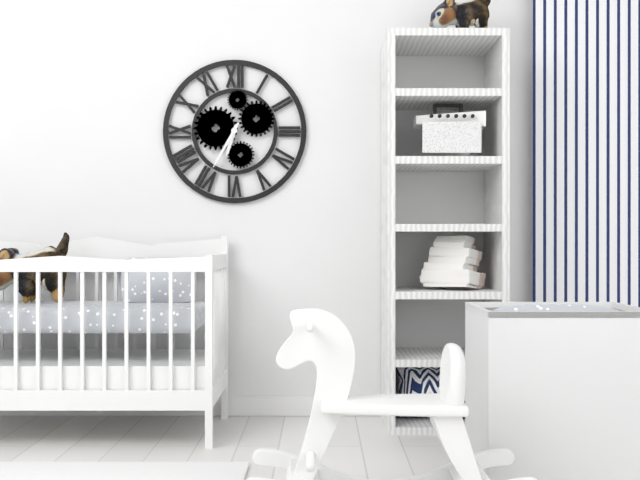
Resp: 6,35
